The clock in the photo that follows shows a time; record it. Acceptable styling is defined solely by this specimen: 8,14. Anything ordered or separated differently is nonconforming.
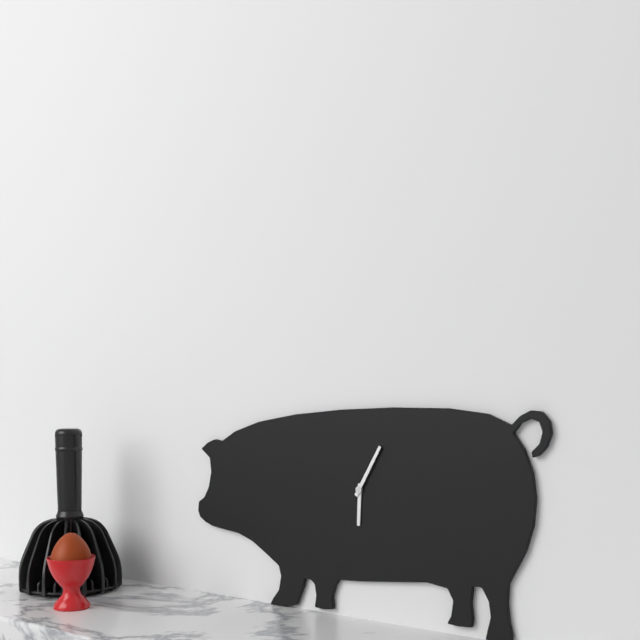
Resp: 6,05
